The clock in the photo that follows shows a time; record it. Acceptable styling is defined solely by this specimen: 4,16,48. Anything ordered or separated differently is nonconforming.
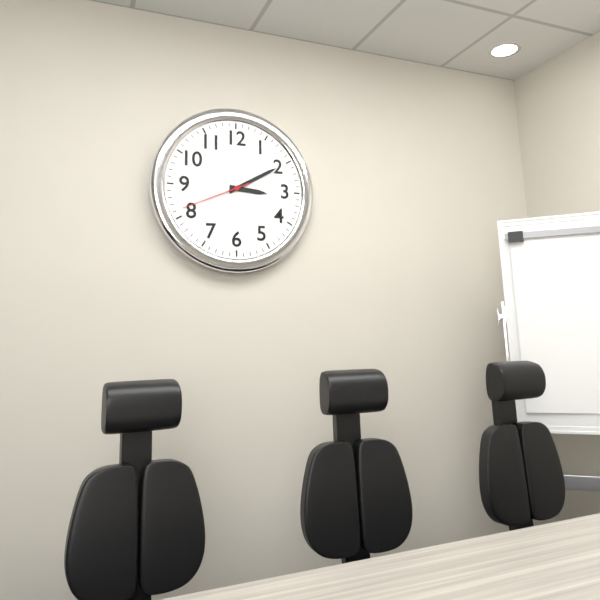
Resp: 3,10,41
